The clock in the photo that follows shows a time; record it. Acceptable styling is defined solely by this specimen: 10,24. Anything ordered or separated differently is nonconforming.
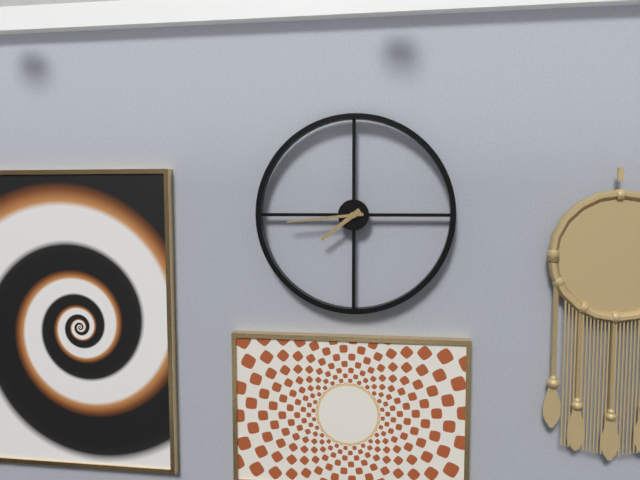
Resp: 7,44
